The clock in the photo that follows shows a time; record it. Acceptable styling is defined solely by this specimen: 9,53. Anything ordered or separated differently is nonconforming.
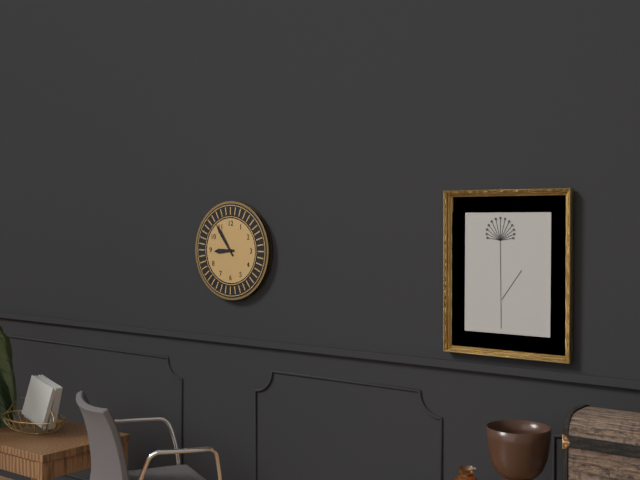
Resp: 8,54
